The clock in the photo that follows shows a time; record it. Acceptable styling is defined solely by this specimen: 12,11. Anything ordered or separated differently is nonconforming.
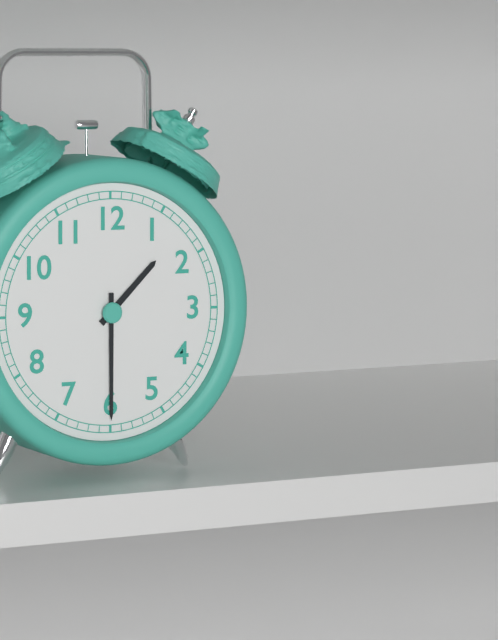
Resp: 1,30
